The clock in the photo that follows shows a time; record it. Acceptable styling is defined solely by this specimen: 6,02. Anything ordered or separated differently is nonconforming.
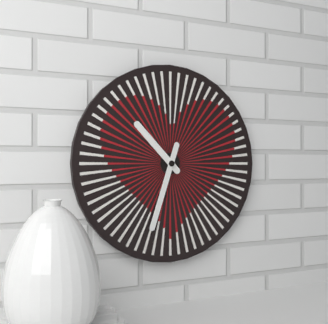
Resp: 10,33
